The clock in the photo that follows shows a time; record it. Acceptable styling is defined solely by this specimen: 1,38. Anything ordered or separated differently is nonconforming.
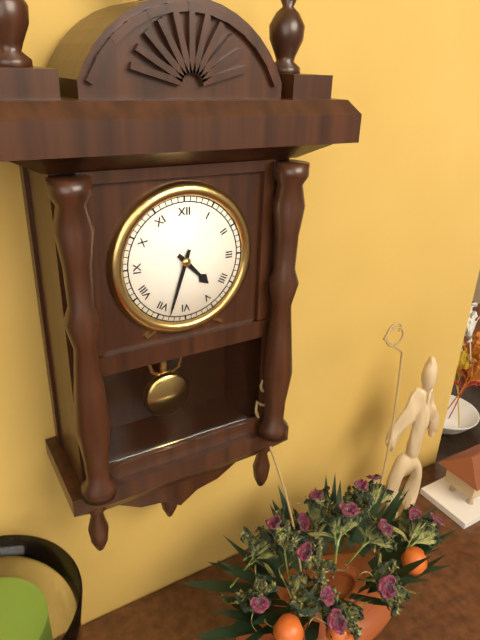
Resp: 4,33
